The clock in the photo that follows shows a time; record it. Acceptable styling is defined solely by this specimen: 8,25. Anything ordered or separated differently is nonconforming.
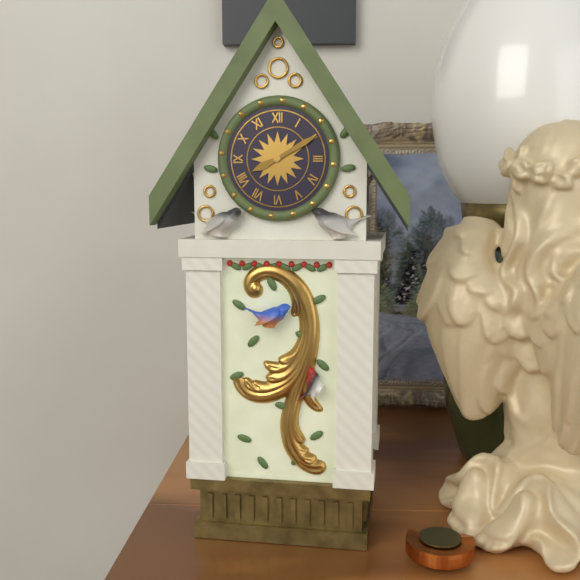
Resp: 8,10
